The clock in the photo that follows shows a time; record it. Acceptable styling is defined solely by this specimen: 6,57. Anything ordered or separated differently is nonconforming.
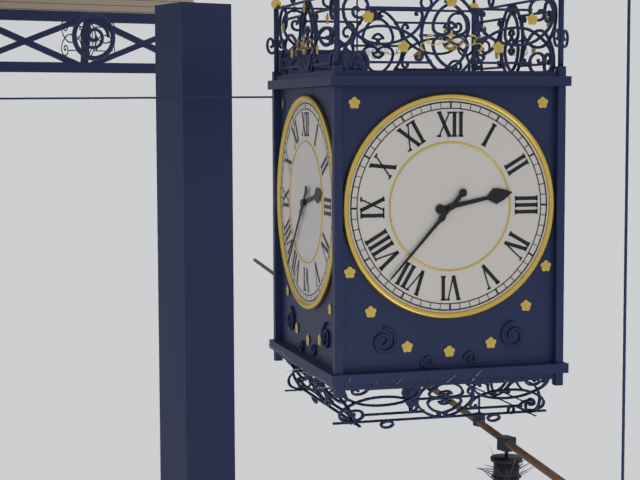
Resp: 2,37
